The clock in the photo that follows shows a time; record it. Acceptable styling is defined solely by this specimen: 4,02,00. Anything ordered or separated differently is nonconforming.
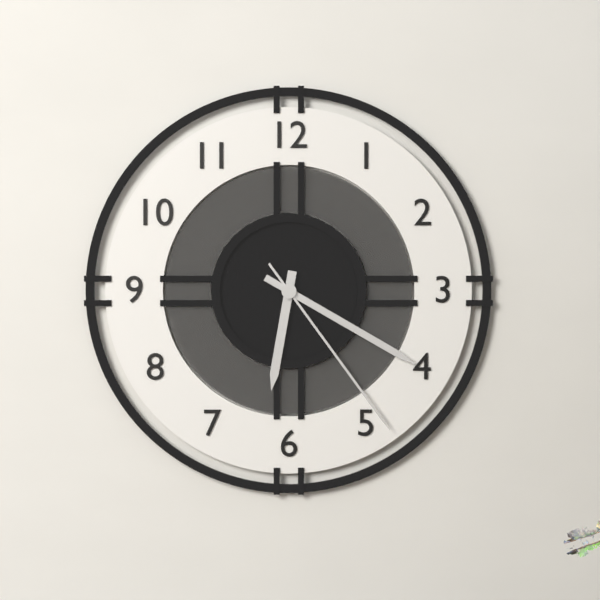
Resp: 6,20,24
